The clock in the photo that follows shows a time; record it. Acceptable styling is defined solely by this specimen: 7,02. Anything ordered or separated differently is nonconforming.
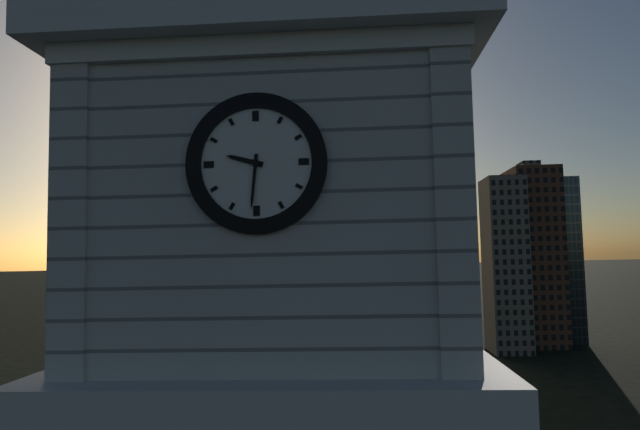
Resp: 9,31
